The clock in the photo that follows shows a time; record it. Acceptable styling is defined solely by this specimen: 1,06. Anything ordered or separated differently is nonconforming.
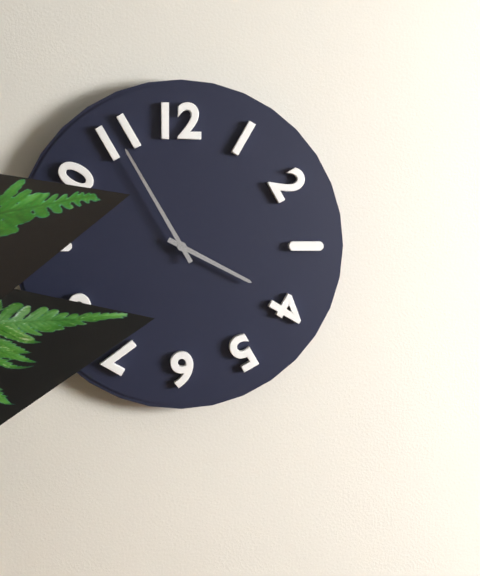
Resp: 3,55
